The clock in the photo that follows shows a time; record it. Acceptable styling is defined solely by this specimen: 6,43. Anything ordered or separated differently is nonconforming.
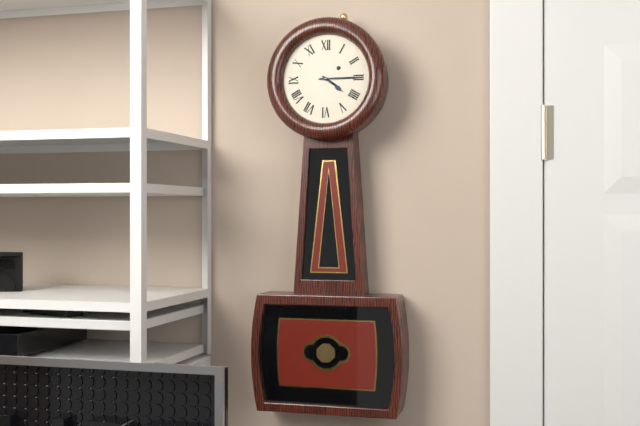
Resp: 4,15
